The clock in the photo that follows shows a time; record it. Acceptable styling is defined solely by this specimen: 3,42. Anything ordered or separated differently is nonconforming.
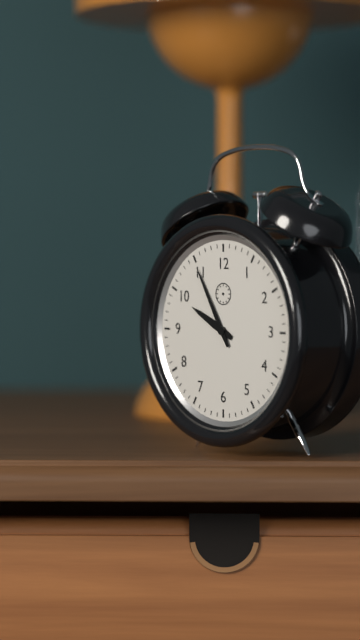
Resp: 9,55
